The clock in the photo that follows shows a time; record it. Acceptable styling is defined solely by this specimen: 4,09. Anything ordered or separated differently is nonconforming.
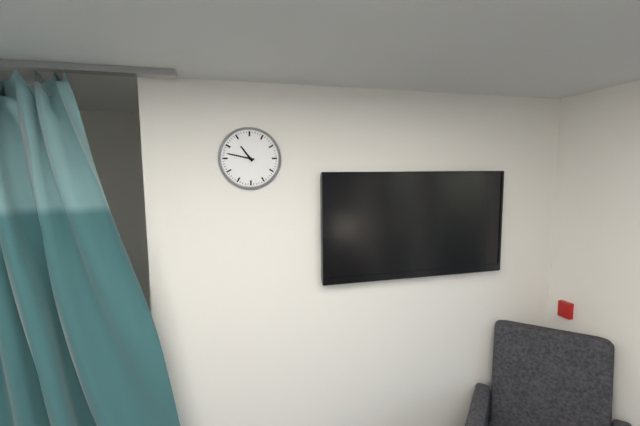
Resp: 10,47
